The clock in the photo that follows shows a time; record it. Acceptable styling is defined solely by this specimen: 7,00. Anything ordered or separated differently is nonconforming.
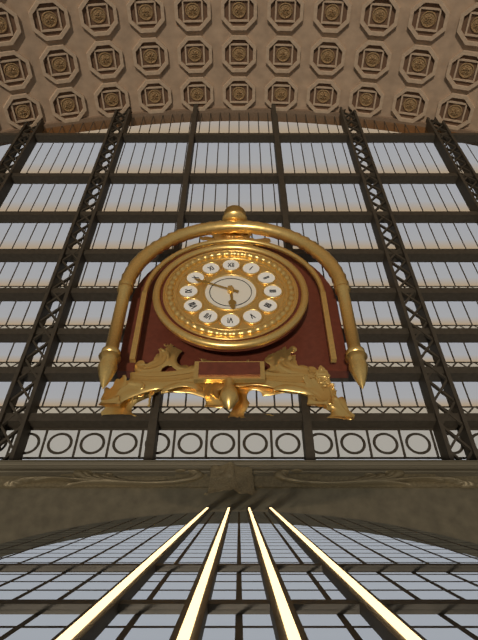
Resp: 5,49
